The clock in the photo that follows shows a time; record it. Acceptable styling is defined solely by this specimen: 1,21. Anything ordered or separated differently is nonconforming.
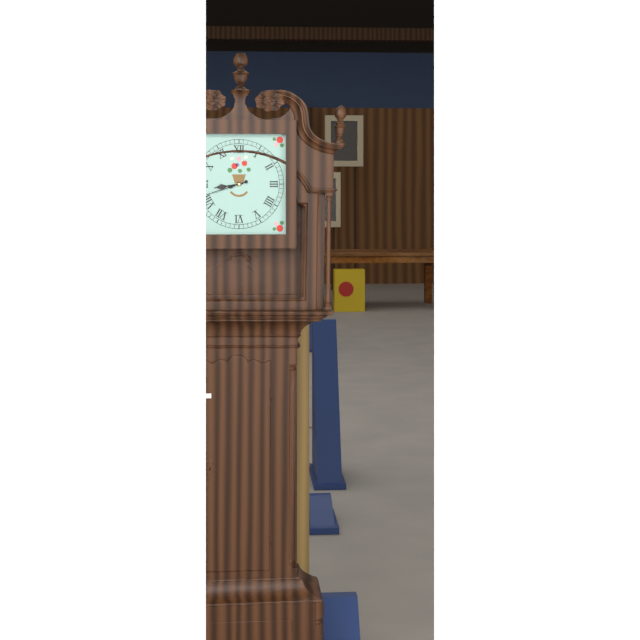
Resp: 8,42
